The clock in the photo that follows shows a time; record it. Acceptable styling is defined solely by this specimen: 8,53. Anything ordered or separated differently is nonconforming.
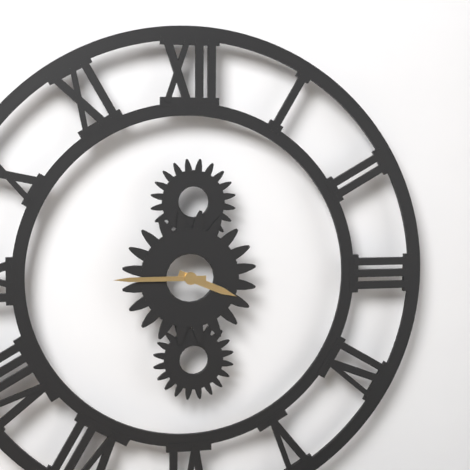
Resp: 3,45
